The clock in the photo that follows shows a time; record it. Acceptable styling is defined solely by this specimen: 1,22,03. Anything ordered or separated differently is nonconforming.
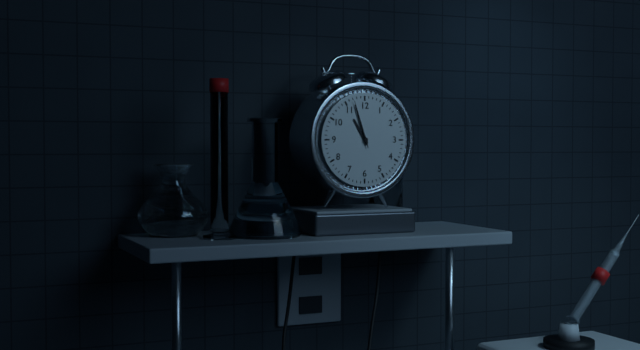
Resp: 10,57,57
